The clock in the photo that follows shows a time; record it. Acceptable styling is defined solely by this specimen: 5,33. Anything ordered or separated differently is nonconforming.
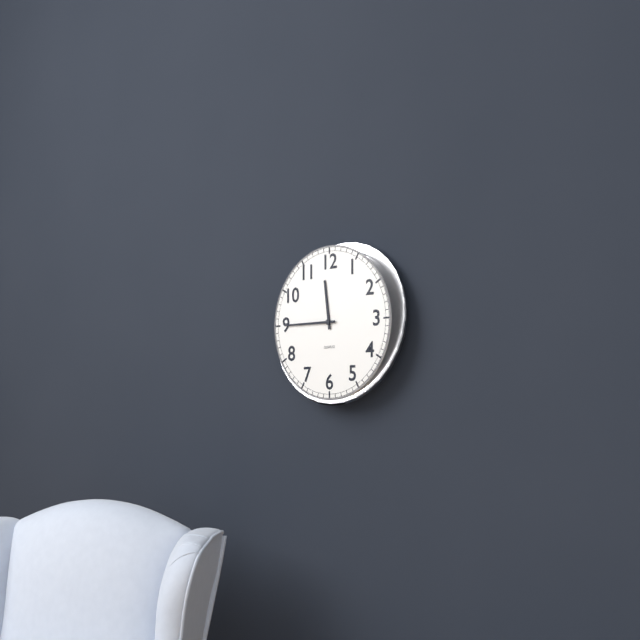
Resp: 11,45
